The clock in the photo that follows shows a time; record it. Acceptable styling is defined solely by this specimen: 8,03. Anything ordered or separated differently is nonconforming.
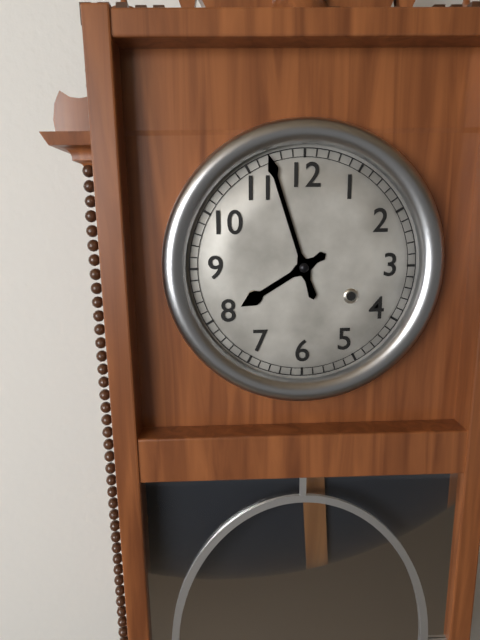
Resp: 7,57
